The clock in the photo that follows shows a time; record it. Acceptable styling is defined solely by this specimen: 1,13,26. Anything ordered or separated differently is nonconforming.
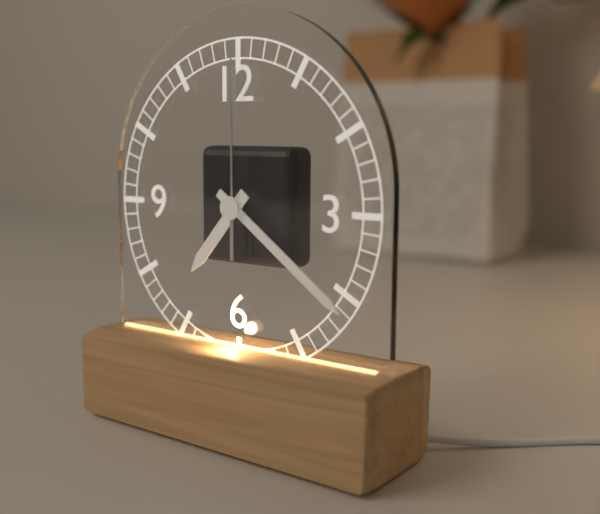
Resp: 7,21,00
